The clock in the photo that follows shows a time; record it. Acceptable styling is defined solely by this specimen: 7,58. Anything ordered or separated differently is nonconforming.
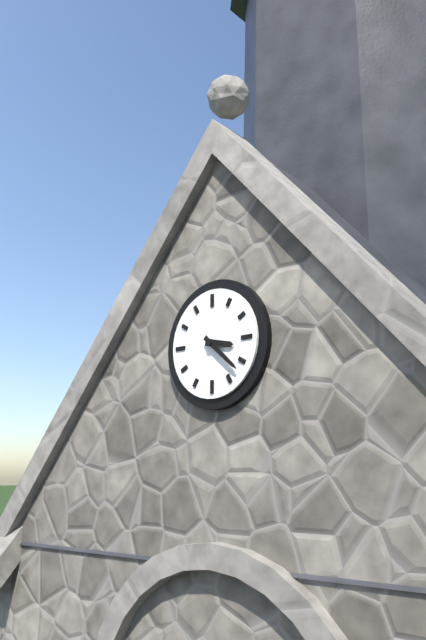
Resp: 3,22
